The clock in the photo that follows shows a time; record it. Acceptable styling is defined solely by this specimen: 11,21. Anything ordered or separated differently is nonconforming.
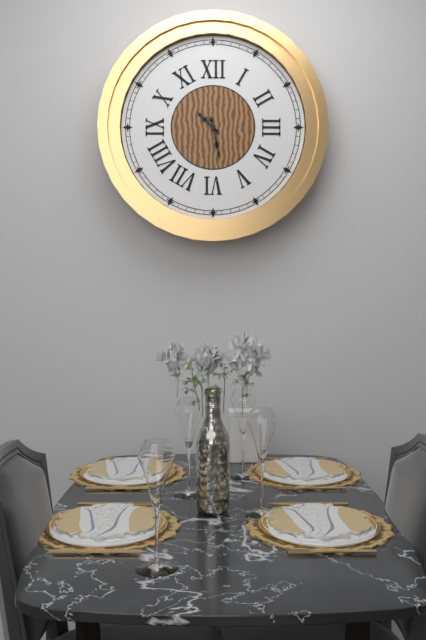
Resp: 10,28
